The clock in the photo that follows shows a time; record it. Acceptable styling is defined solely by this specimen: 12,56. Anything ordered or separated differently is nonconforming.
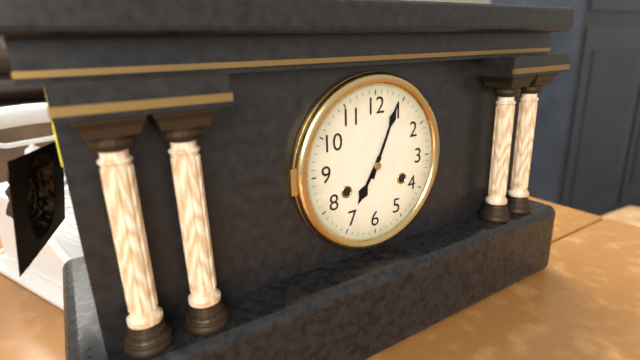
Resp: 7,04
